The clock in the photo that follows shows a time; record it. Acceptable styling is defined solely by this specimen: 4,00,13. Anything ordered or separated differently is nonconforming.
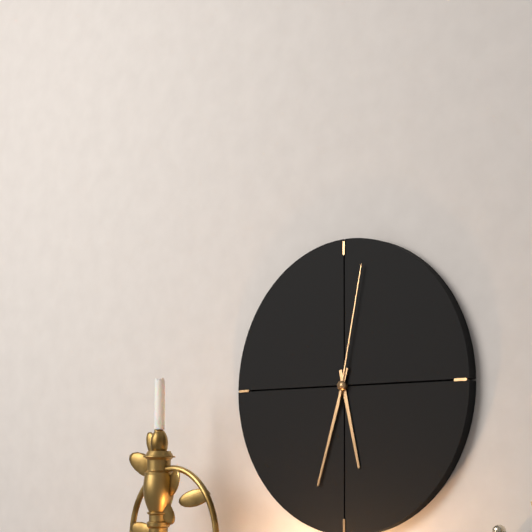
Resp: 5,33,02
